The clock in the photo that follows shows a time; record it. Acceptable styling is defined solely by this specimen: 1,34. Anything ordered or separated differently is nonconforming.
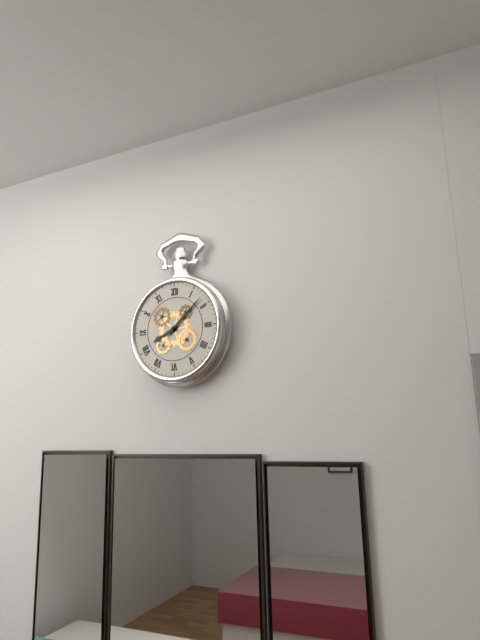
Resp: 8,08
